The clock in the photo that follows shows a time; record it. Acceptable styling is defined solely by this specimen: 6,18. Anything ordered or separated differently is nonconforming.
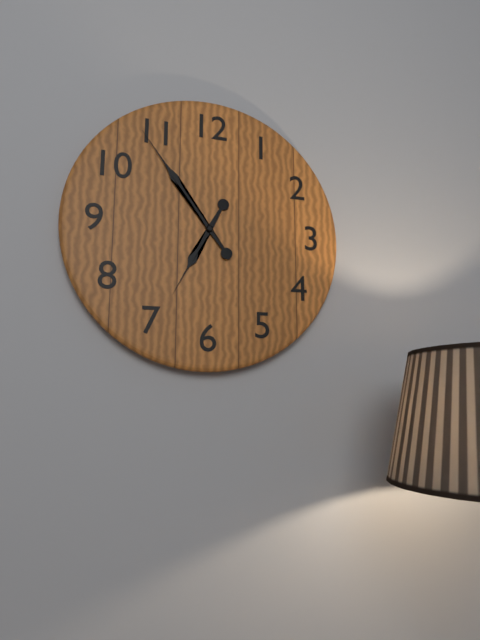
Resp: 6,54
